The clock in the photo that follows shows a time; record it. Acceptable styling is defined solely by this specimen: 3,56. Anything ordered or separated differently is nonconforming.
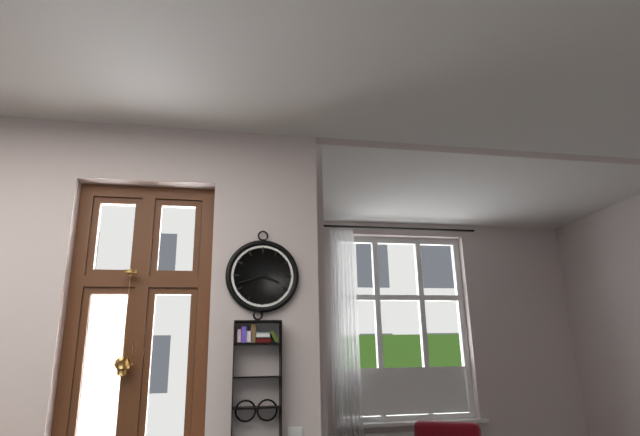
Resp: 3,42
